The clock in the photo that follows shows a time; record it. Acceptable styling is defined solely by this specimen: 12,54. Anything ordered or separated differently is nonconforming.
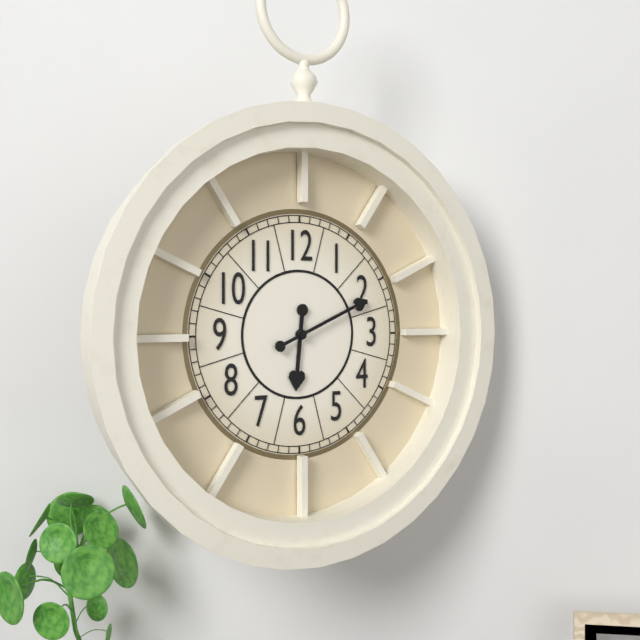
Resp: 6,11
